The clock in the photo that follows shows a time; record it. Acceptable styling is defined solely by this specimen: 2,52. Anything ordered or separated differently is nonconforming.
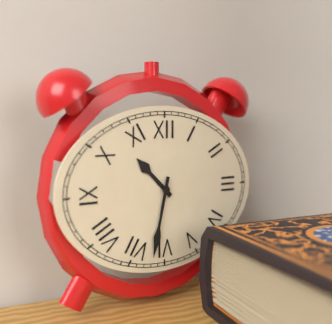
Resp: 10,32
